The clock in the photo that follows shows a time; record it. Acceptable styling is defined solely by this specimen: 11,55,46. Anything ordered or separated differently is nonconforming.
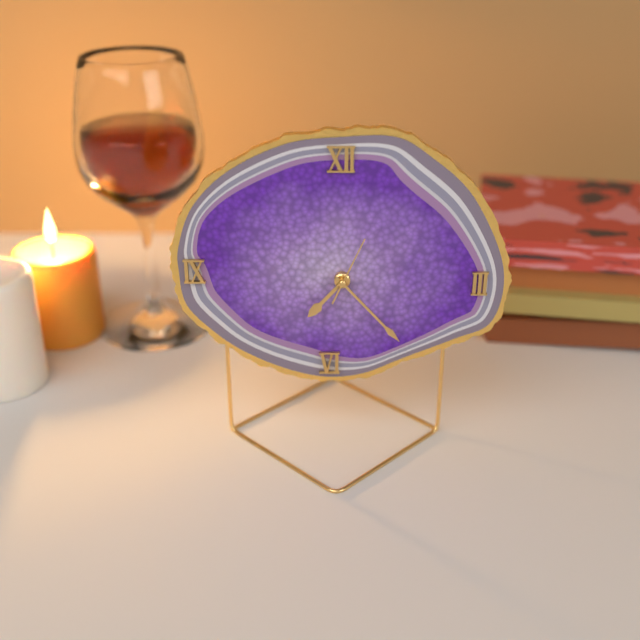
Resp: 7,23,04
